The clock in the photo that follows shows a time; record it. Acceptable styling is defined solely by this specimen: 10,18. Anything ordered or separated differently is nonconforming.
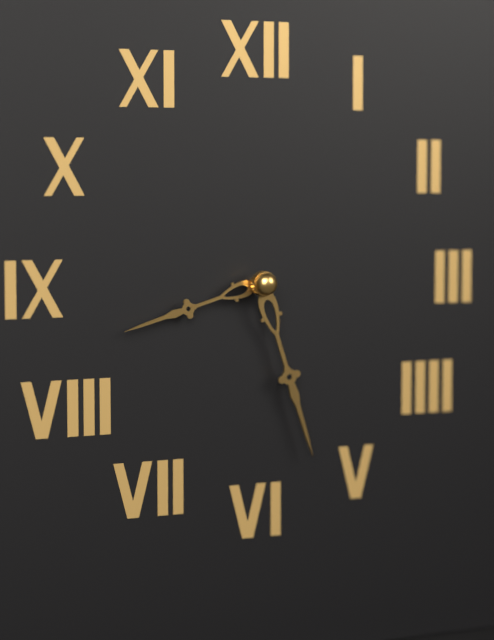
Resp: 8,27
